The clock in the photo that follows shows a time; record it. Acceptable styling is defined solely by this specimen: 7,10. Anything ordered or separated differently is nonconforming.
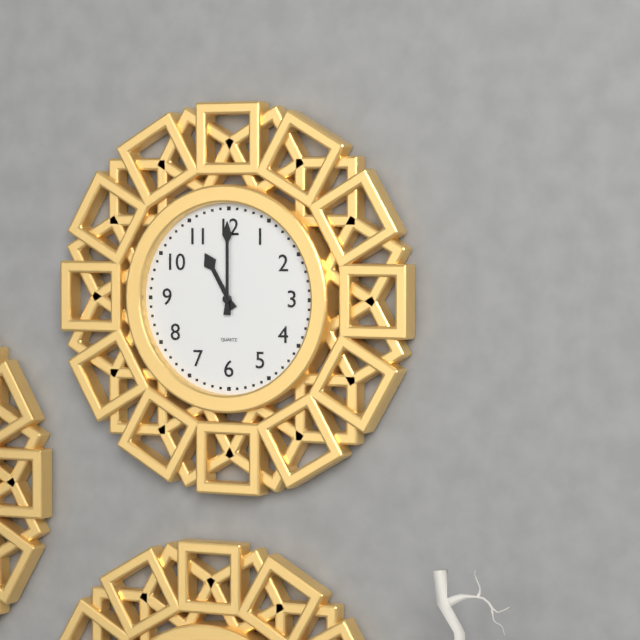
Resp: 11,00
